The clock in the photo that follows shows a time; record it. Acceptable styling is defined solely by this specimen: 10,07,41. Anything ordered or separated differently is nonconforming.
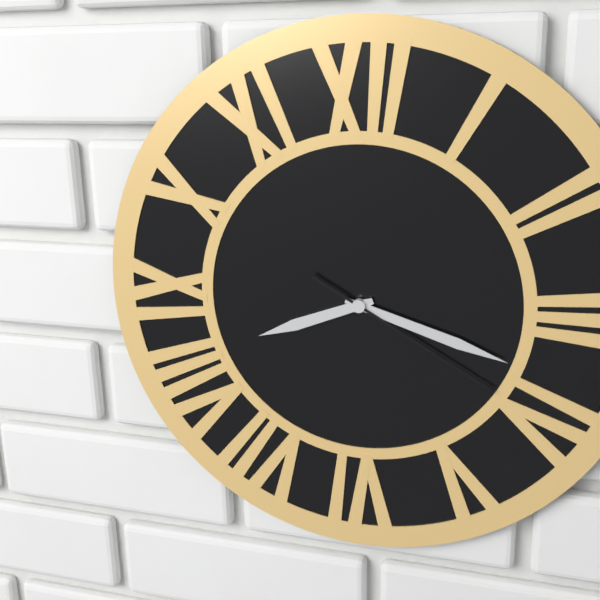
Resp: 8,18,20
